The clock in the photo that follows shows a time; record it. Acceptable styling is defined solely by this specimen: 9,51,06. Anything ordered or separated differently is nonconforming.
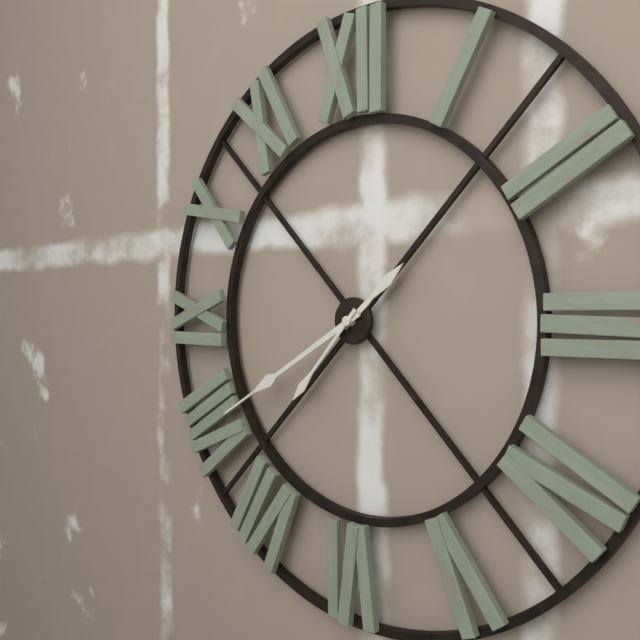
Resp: 1,40,37
